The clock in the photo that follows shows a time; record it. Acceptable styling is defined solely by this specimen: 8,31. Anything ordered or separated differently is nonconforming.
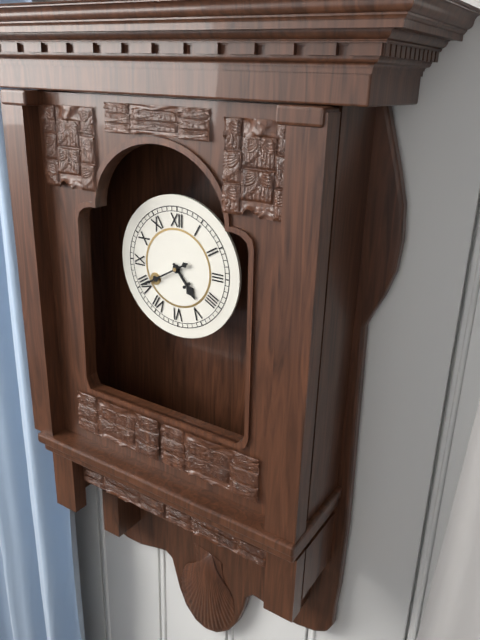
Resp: 4,40
